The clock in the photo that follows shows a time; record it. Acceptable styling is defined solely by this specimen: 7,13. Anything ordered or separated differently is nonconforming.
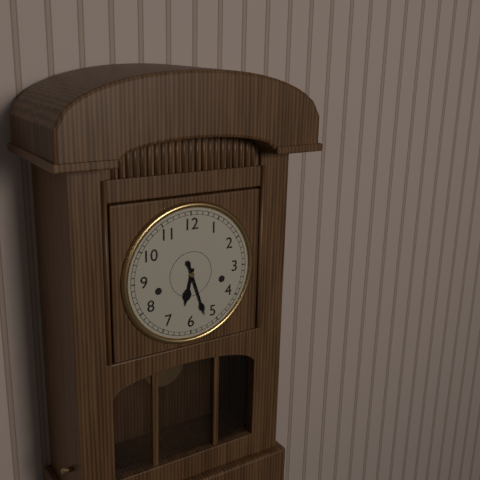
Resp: 6,27
